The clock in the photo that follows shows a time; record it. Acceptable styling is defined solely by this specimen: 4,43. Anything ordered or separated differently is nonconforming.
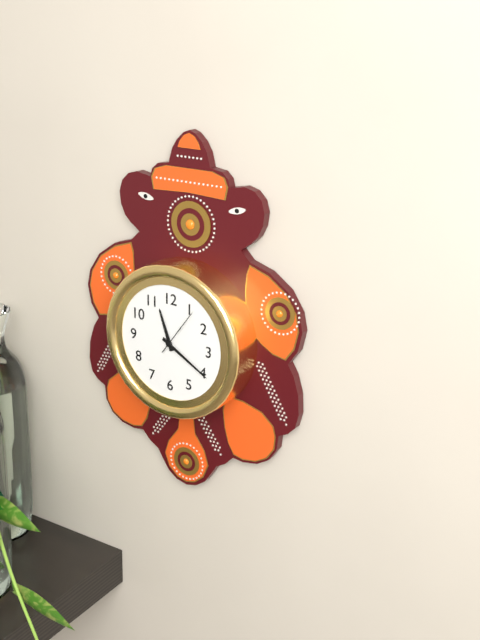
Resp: 11,20
